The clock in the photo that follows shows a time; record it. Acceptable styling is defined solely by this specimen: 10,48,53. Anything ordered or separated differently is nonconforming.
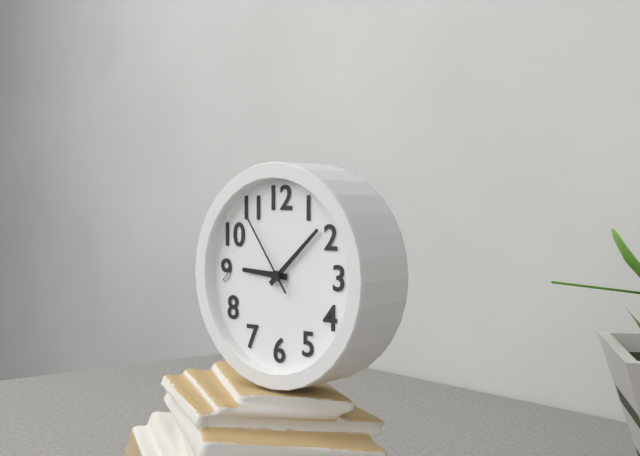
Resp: 9,08,54
